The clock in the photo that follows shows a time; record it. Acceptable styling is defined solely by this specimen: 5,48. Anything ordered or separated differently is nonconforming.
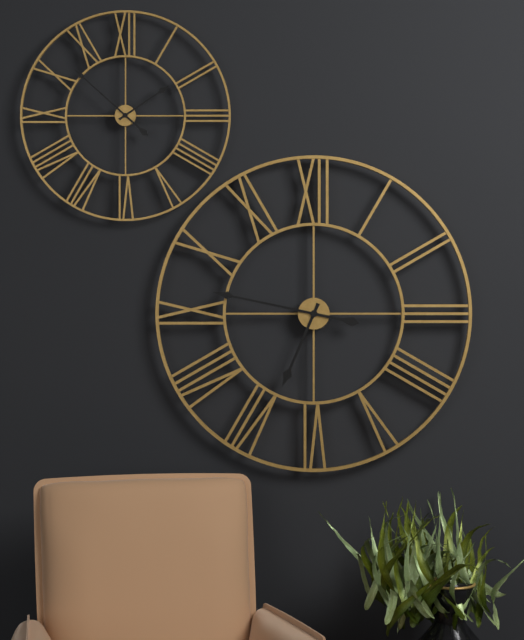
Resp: 6,47
